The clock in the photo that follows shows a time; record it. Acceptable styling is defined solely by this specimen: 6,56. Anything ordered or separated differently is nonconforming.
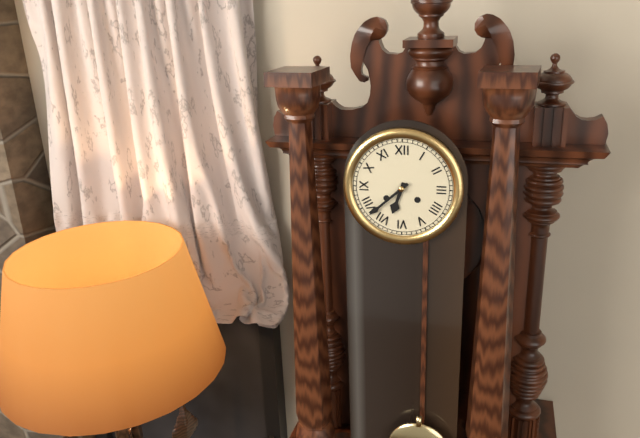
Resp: 6,38
